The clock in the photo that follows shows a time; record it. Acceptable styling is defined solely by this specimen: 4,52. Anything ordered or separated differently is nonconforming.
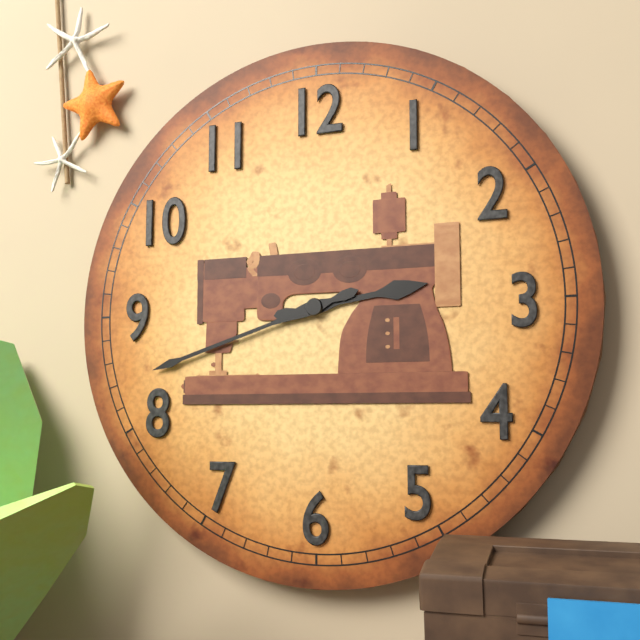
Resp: 2,42
